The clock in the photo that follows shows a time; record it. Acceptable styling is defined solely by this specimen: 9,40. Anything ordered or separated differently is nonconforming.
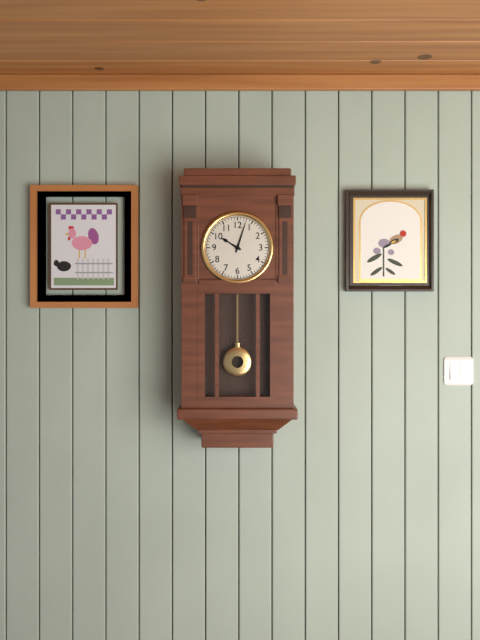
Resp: 10,03
